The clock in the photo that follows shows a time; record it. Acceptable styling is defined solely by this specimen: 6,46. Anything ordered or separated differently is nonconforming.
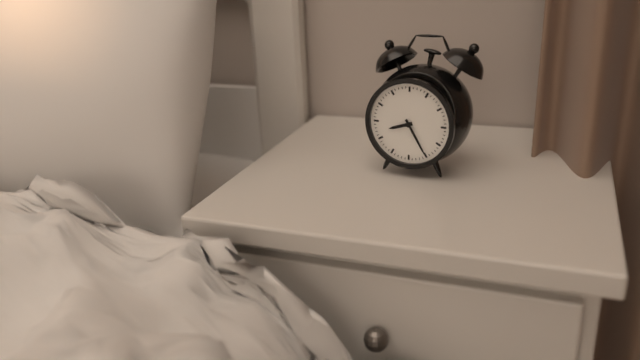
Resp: 8,25
